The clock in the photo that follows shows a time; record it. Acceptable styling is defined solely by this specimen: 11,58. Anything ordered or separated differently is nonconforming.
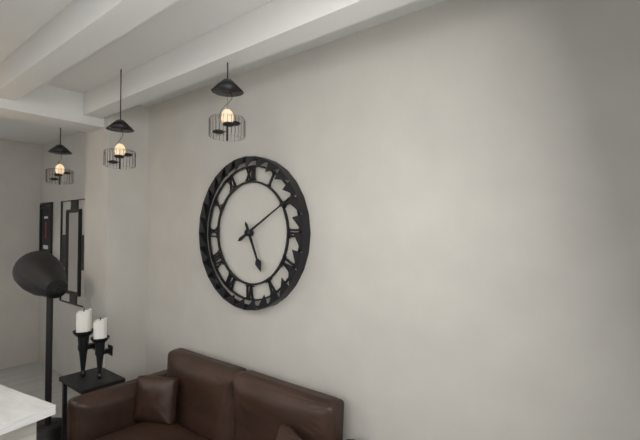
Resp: 5,10
